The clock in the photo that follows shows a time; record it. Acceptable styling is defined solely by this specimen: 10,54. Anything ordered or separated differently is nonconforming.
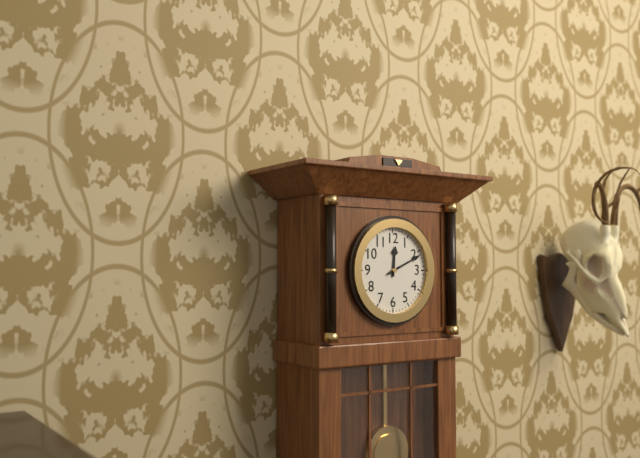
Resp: 12,11
